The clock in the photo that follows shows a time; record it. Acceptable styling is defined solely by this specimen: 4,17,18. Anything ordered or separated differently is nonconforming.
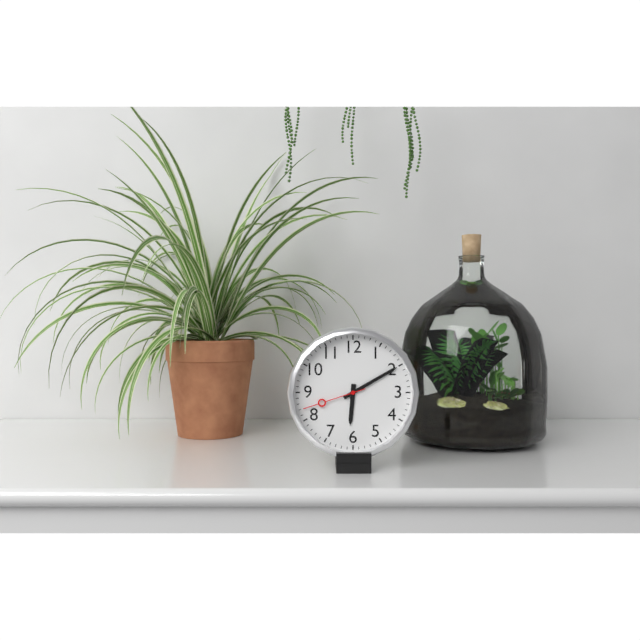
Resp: 6,10,42
